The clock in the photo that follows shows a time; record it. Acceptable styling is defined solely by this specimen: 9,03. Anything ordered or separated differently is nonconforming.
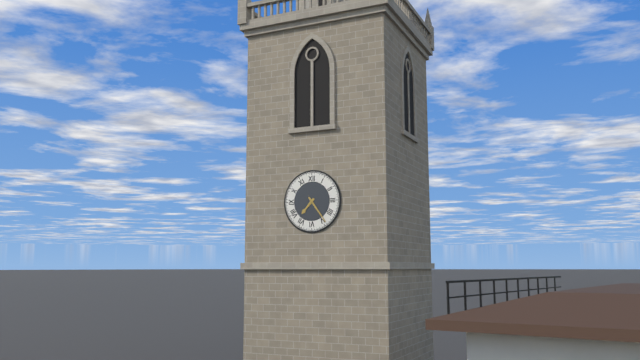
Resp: 7,24
